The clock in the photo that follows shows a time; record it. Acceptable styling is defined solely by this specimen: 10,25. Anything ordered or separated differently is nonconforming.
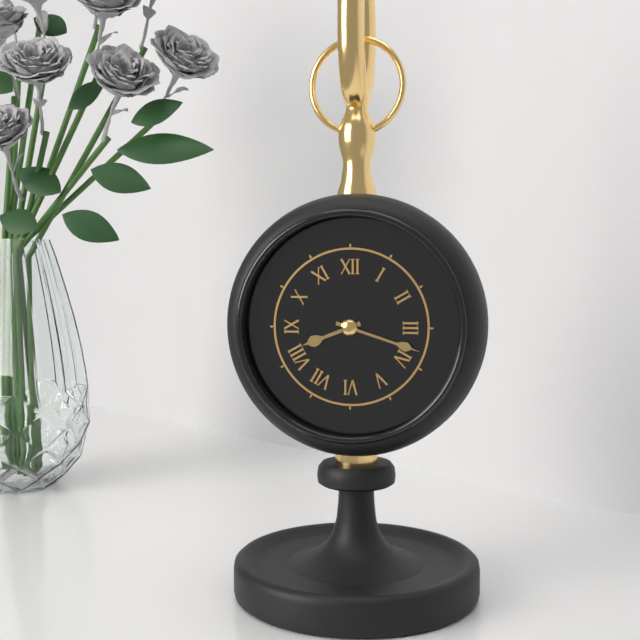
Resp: 8,18
